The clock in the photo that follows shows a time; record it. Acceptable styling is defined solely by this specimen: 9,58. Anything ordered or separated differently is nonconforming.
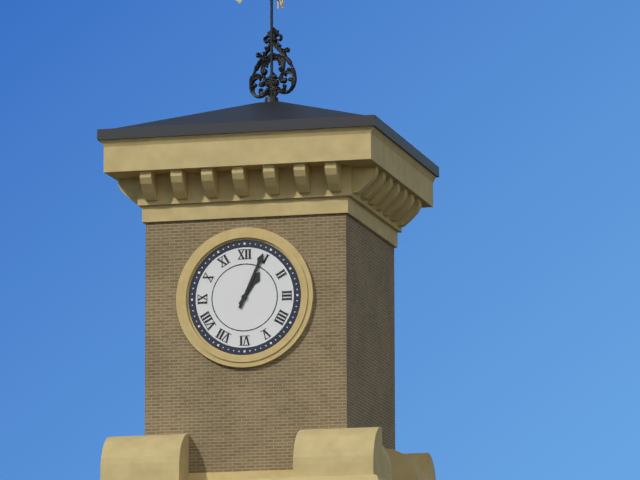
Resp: 1,04
